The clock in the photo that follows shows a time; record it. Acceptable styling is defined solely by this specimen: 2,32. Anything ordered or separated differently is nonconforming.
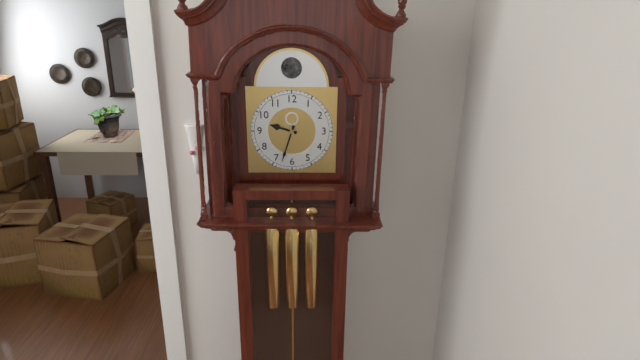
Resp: 9,33
